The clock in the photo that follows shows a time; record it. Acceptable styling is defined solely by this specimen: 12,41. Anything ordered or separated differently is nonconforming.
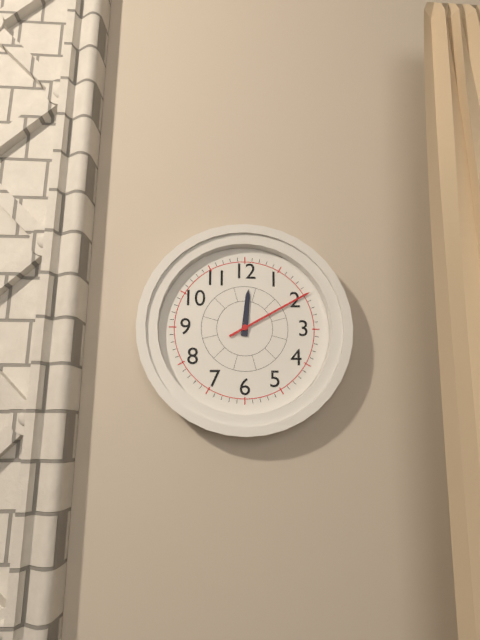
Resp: 12,10
